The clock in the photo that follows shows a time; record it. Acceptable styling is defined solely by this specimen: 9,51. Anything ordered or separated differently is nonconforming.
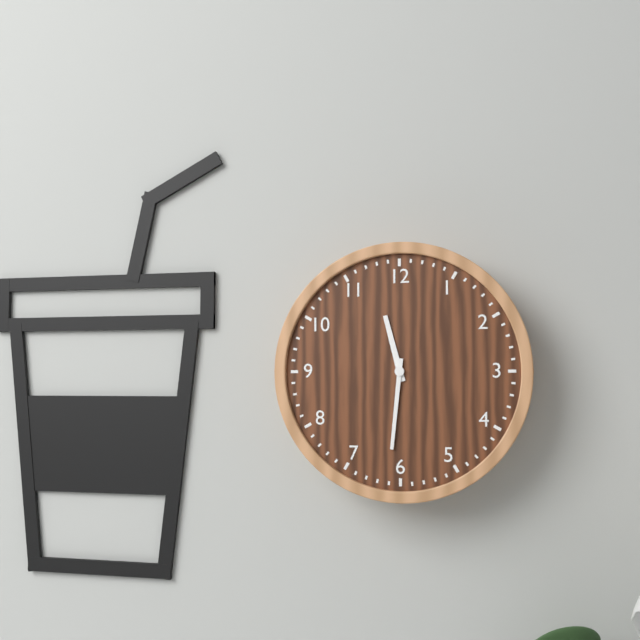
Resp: 11,31
